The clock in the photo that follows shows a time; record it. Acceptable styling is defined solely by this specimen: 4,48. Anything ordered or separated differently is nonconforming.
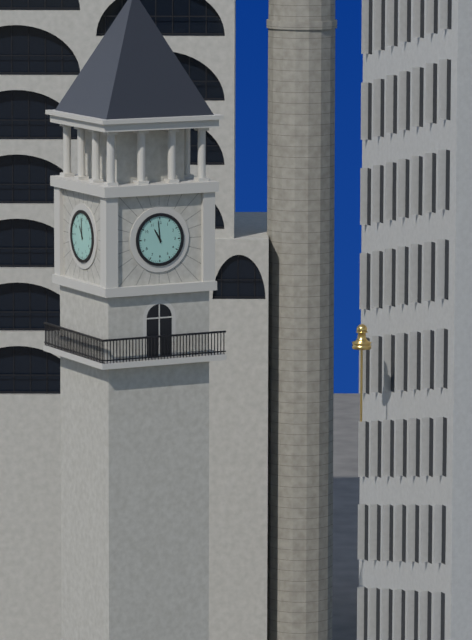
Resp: 10,59
